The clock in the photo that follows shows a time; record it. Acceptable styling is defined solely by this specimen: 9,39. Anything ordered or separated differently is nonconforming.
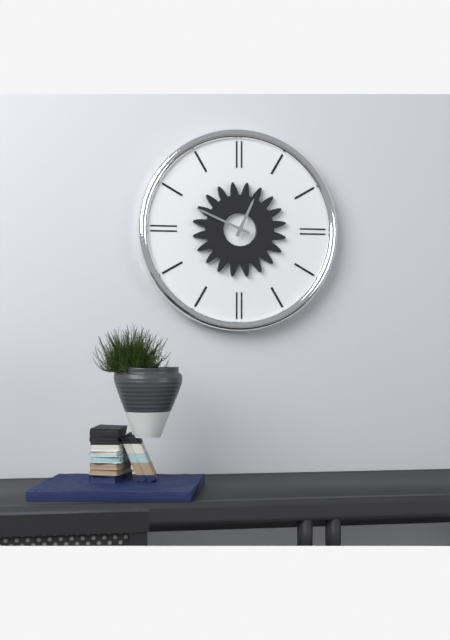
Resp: 12,49
